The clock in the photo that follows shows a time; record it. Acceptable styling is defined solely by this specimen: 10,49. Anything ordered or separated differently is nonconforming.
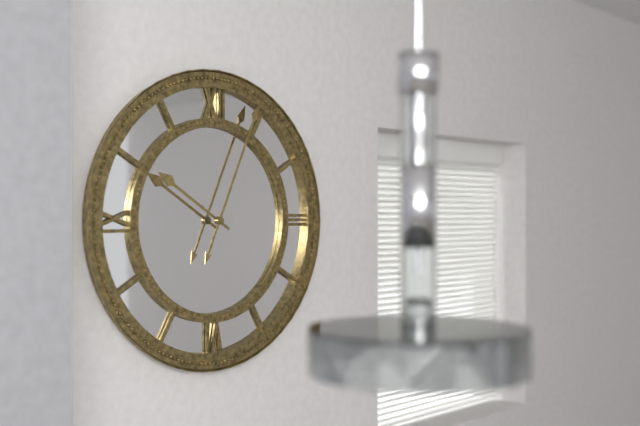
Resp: 10,04
